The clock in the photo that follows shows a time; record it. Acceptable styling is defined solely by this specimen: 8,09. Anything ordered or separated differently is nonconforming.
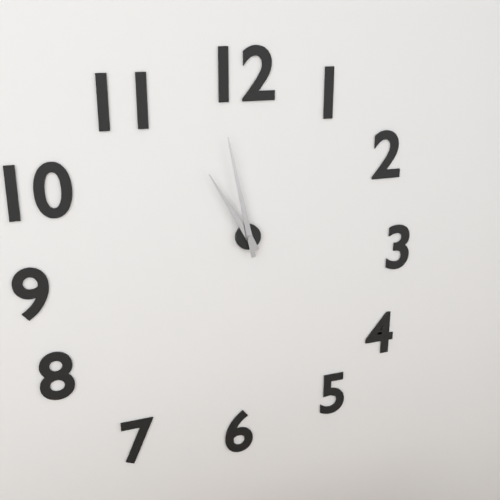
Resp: 10,58
